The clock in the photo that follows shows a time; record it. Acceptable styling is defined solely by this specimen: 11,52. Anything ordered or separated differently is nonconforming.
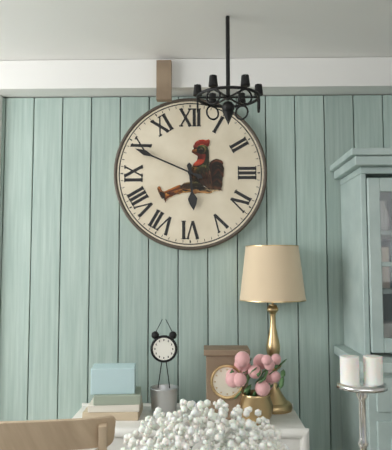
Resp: 5,49
